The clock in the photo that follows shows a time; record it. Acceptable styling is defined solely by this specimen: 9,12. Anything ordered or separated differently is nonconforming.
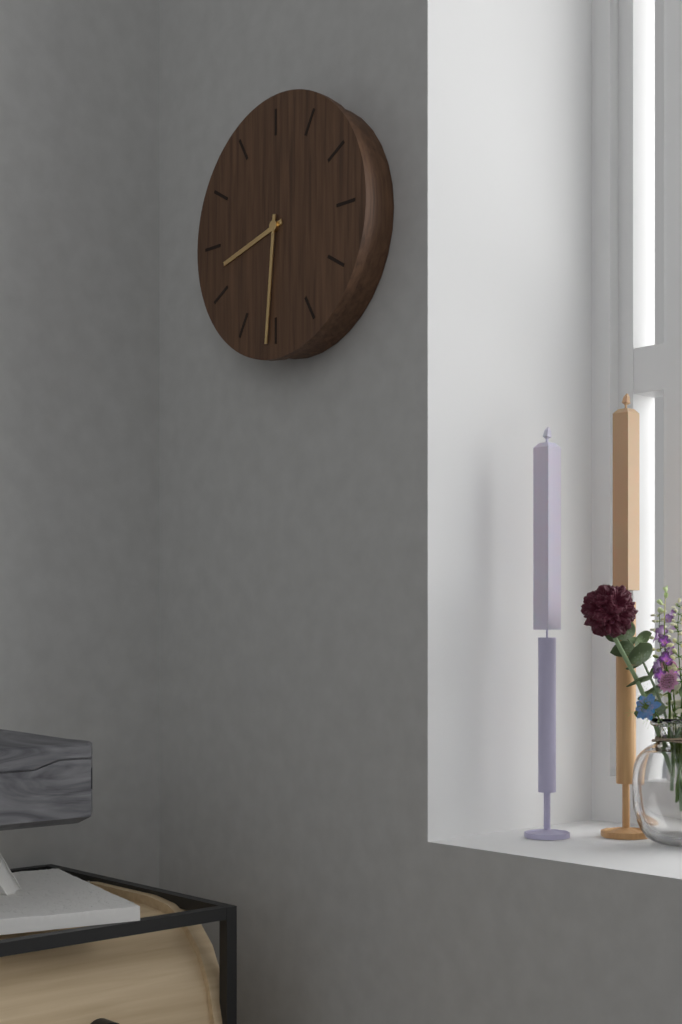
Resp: 8,31
